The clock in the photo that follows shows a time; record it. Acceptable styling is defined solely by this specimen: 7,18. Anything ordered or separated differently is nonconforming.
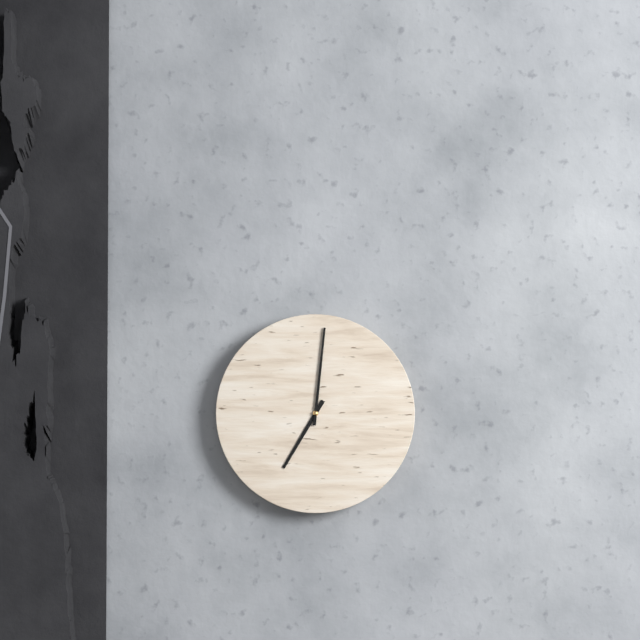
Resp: 7,01
